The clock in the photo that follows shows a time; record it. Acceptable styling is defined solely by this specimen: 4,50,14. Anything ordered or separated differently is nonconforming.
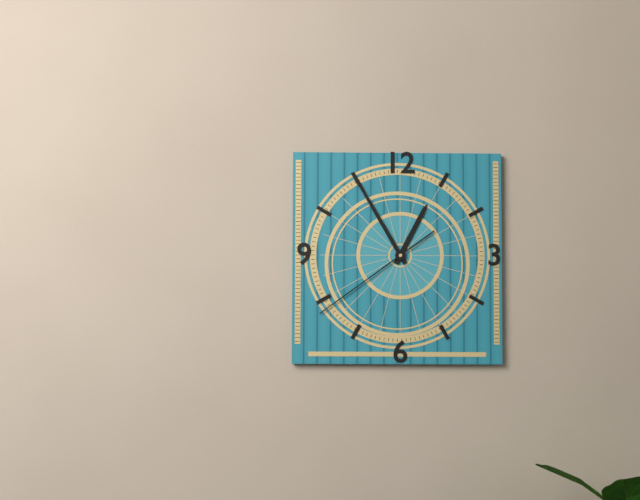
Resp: 12,55,39
